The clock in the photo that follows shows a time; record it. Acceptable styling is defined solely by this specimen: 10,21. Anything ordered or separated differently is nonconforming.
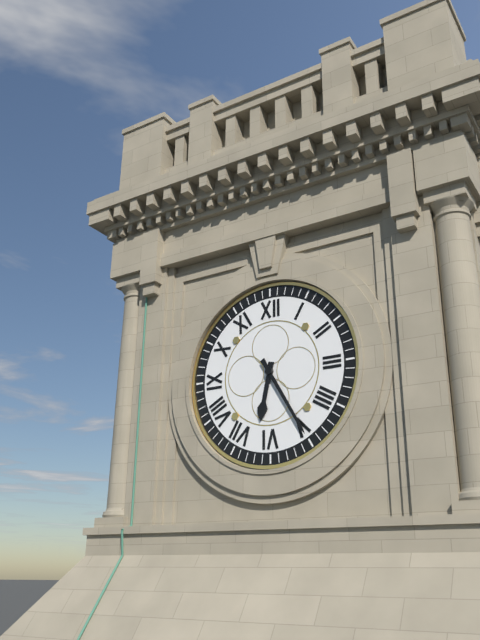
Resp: 6,25
